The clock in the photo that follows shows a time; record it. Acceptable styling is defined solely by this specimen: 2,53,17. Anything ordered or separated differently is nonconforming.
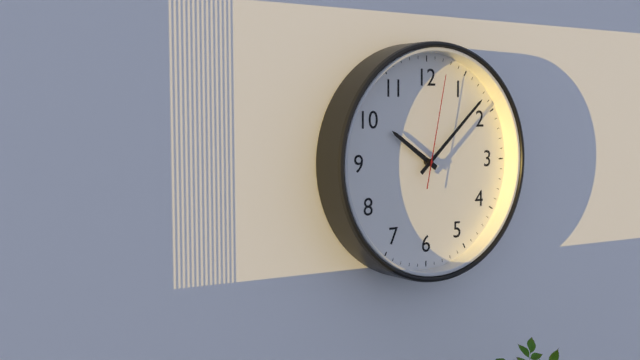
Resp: 10,08,02
